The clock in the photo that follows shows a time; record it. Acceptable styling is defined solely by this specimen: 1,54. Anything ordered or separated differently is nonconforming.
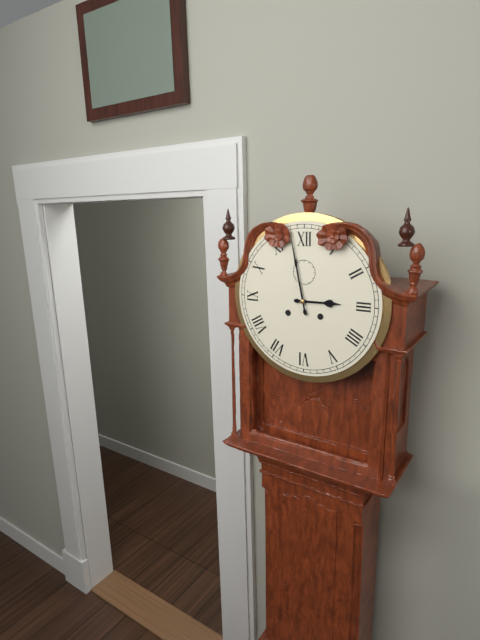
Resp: 2,58
